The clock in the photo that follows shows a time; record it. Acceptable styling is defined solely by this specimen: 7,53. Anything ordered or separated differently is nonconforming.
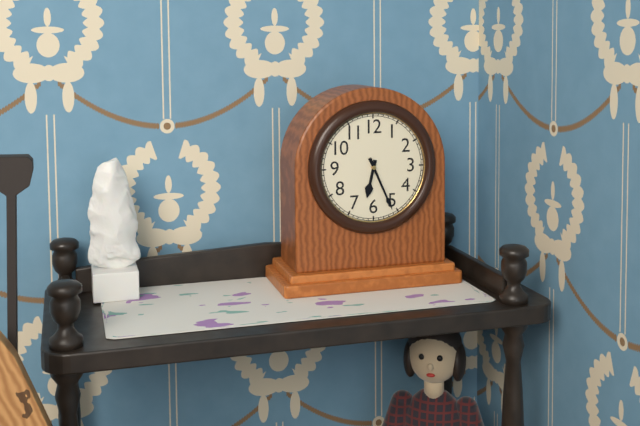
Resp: 6,26
